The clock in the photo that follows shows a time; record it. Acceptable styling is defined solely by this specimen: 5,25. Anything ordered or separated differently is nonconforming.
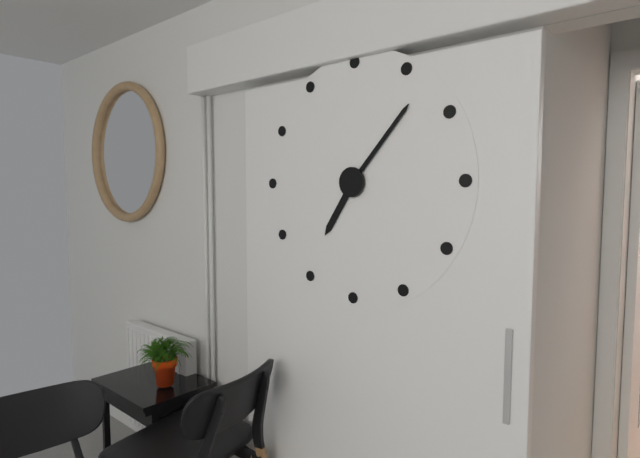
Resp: 7,07
